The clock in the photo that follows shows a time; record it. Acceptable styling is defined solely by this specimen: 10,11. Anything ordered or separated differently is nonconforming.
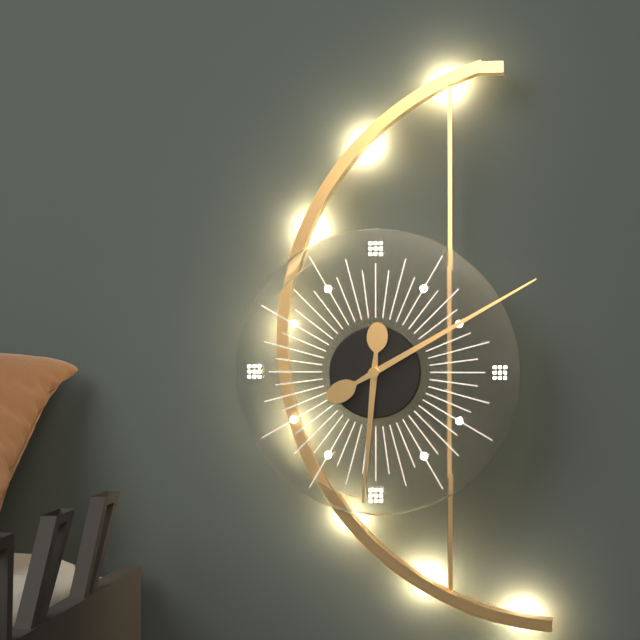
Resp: 6,10
